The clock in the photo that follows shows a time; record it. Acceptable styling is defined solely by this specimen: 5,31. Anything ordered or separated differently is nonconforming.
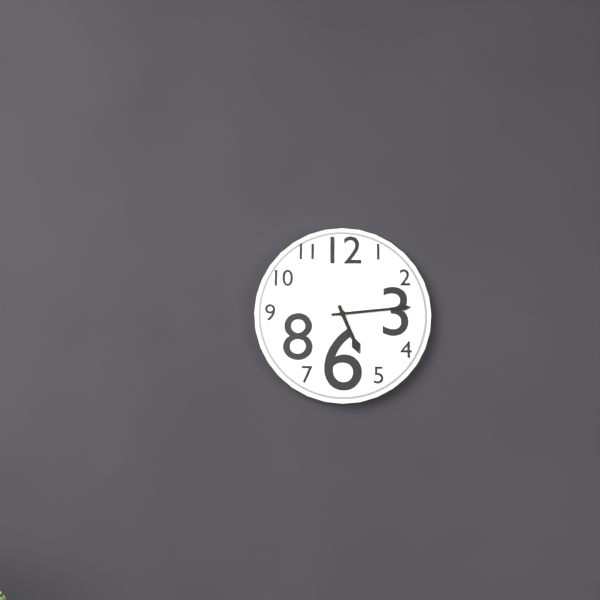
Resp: 5,14
